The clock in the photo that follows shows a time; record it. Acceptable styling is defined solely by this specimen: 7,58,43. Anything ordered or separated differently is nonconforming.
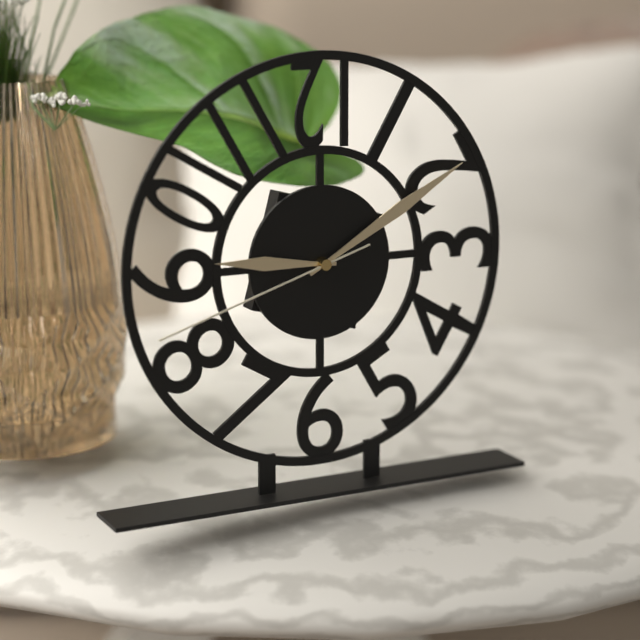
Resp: 9,10,42
